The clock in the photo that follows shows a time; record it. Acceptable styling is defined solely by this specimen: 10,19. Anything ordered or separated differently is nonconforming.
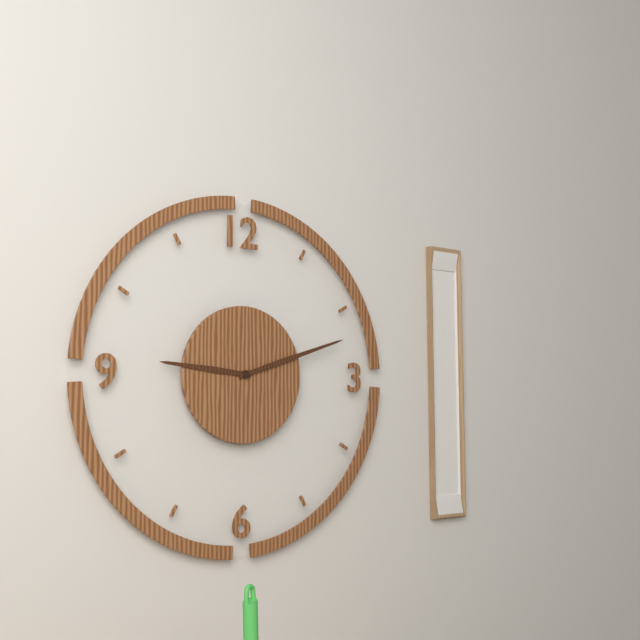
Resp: 9,12
